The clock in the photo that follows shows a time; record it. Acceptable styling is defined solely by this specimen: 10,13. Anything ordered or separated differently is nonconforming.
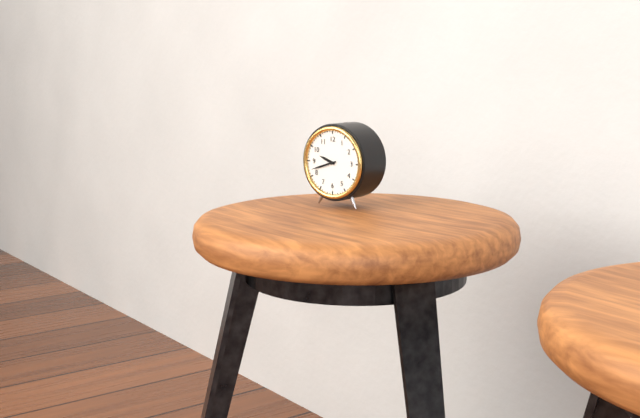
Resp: 9,42
